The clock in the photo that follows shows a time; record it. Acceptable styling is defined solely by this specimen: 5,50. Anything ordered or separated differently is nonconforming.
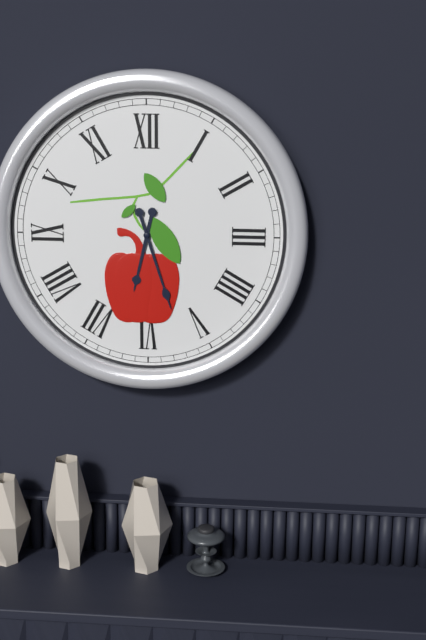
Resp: 6,27
